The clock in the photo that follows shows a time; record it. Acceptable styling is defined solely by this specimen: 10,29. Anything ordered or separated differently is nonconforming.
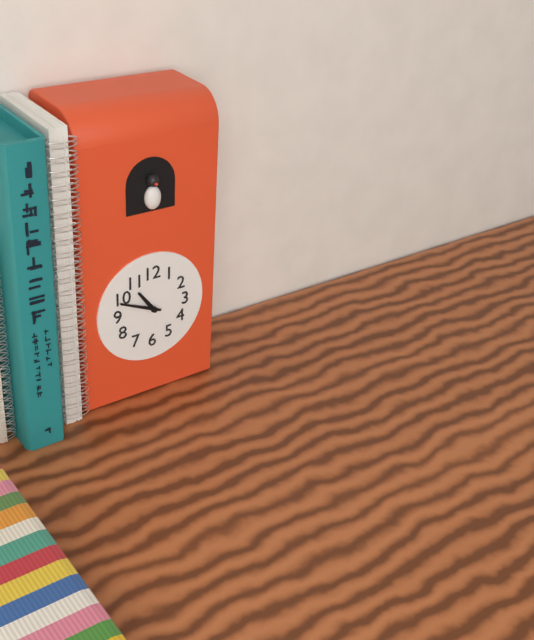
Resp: 10,49
